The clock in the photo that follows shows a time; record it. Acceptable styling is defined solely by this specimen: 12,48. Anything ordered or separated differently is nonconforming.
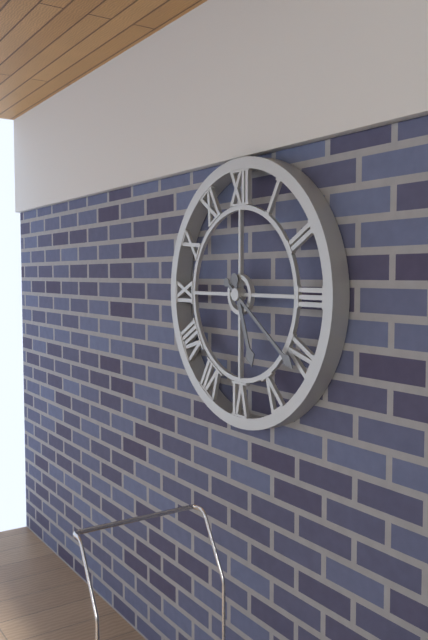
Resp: 5,21
